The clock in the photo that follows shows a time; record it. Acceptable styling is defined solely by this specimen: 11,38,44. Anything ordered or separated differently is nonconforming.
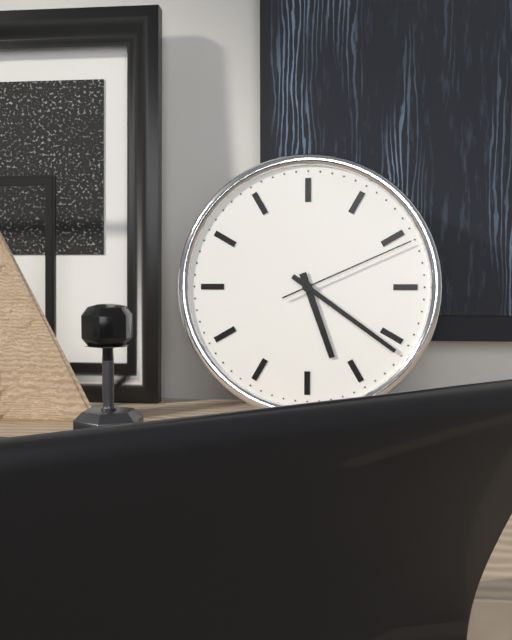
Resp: 5,21,11
